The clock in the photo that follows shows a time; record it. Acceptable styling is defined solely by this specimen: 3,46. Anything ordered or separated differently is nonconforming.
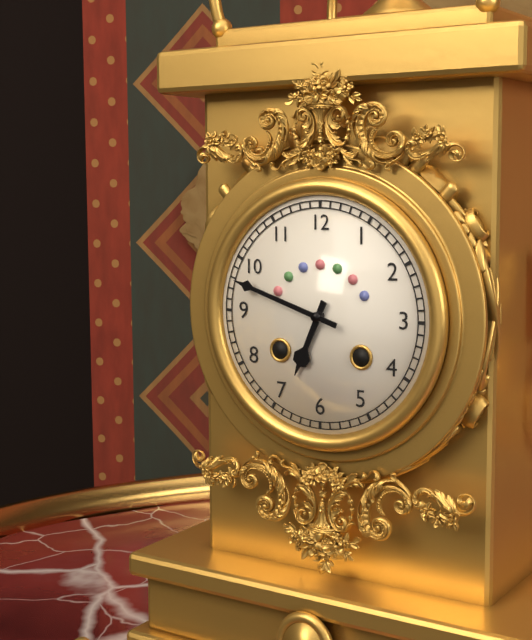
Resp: 6,48
